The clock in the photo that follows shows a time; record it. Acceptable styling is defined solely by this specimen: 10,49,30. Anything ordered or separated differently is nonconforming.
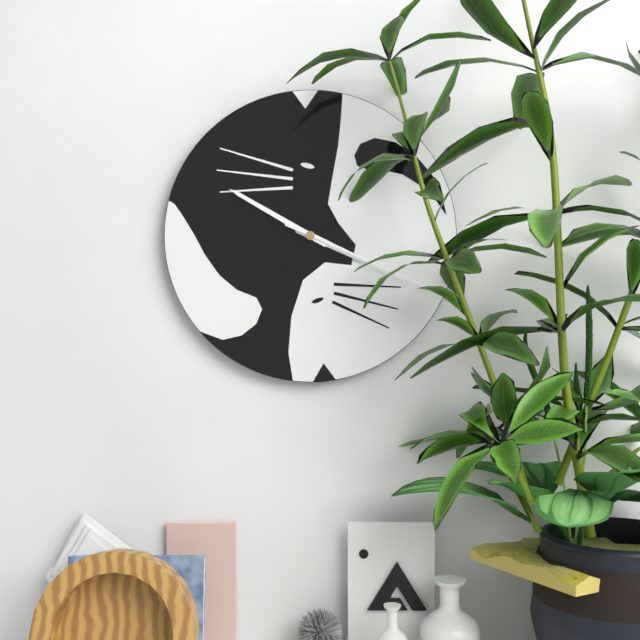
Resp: 3,50,19
